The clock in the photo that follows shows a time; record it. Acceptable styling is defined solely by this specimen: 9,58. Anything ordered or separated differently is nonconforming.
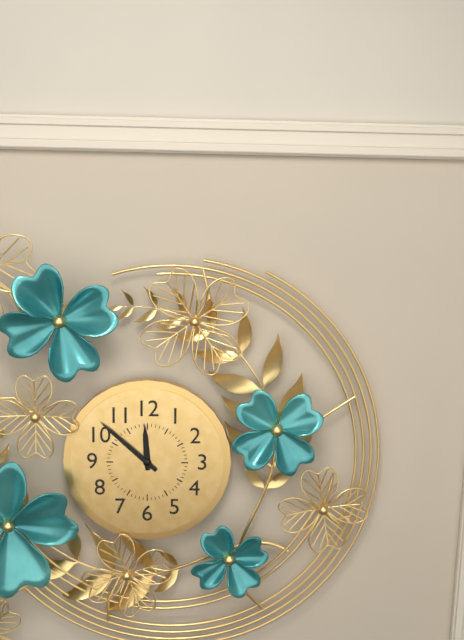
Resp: 11,52
